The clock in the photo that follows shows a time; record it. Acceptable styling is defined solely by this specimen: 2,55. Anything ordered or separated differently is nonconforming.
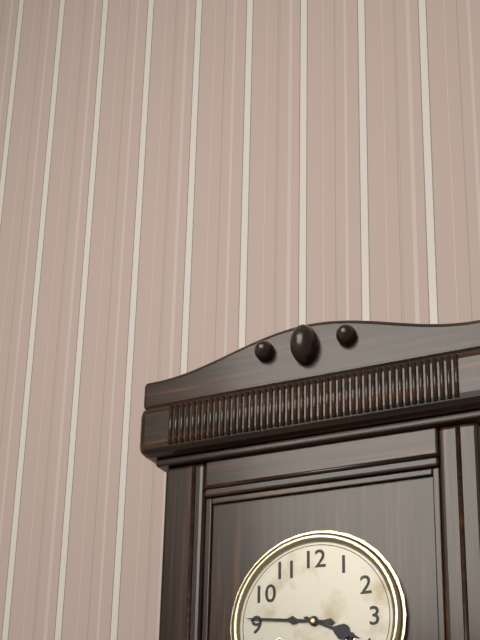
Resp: 3,46
